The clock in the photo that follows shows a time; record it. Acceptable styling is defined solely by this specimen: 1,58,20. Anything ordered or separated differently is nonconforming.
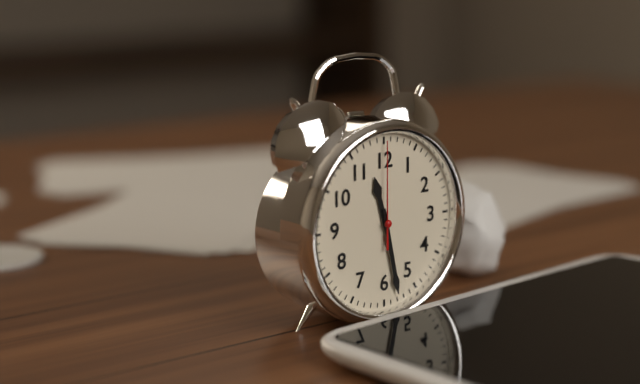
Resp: 11,28,00
